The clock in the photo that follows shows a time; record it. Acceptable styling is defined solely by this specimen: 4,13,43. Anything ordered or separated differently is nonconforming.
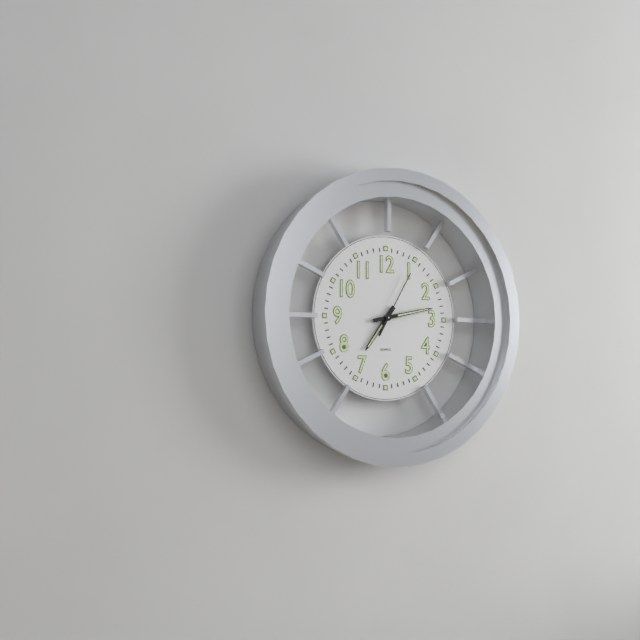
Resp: 7,13,05
